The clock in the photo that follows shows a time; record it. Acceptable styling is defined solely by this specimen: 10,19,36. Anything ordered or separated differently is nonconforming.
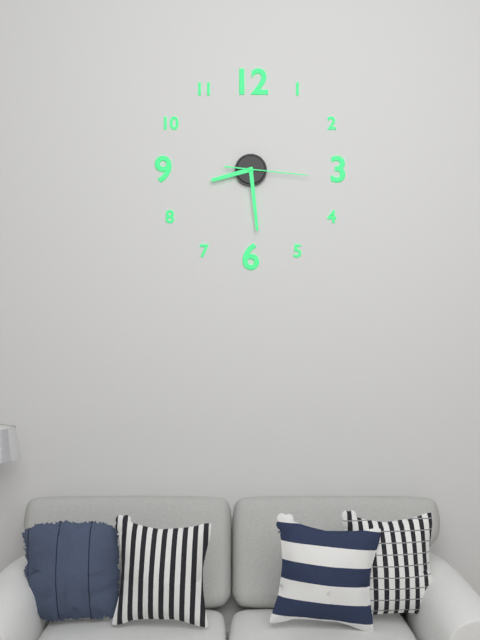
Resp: 8,29,16
